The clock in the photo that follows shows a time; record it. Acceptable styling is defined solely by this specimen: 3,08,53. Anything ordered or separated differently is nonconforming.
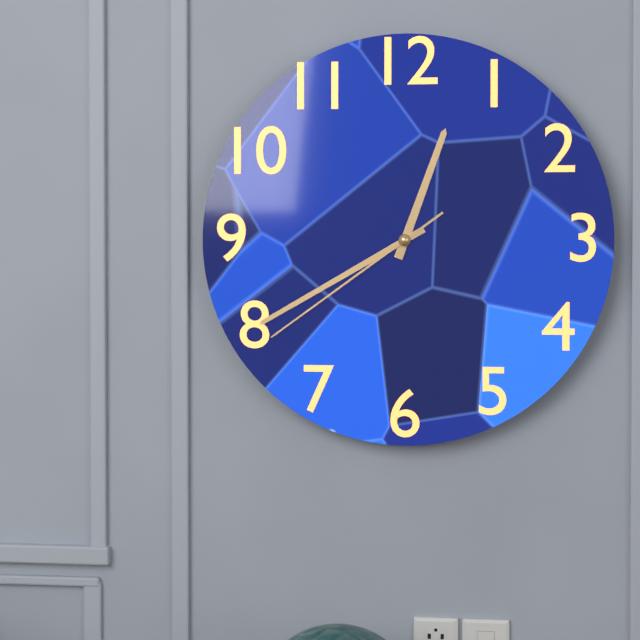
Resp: 12,40,39
